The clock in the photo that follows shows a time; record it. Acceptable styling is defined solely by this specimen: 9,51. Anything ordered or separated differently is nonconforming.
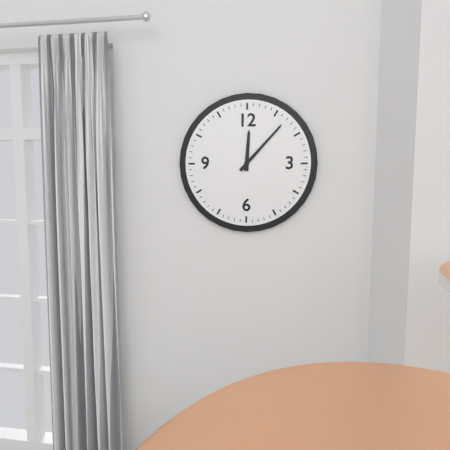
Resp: 12,07
